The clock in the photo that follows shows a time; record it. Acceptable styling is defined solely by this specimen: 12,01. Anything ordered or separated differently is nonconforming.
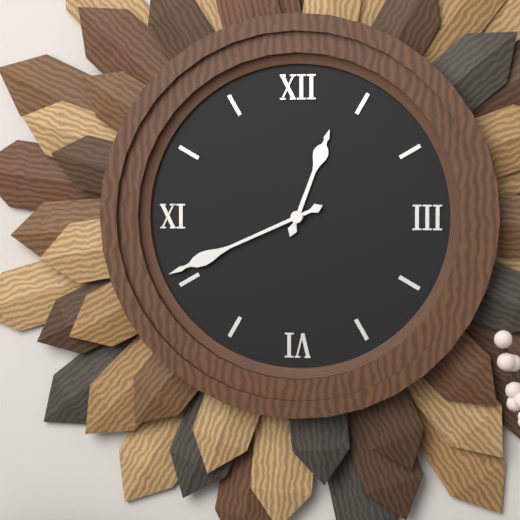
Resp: 12,41
